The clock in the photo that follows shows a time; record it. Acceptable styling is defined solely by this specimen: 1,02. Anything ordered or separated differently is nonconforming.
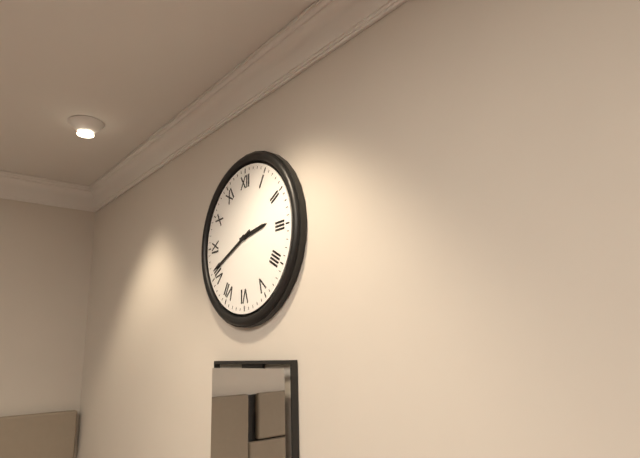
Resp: 2,41
